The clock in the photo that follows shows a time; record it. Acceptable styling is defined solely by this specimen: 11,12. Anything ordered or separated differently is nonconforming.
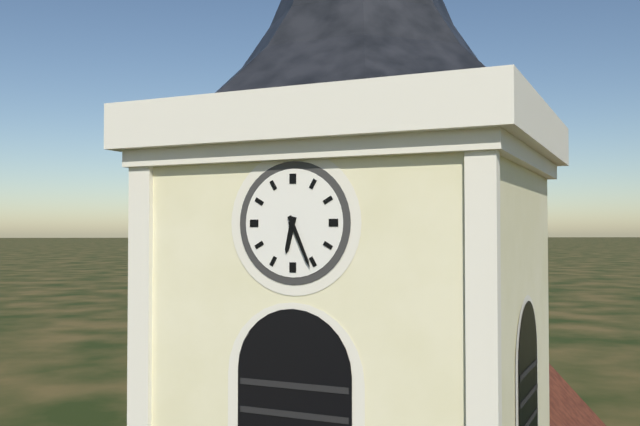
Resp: 6,26
